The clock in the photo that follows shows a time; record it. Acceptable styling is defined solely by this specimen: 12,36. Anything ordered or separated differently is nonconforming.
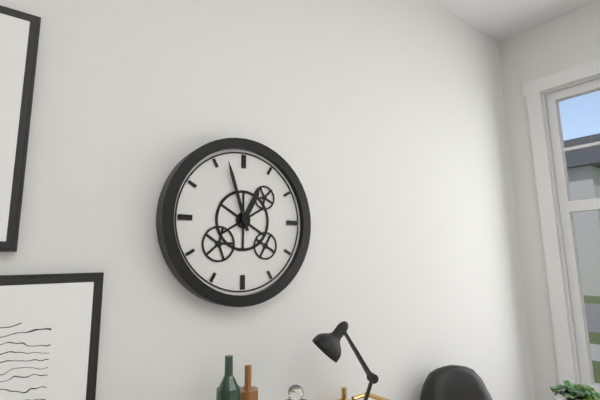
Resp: 12,57
